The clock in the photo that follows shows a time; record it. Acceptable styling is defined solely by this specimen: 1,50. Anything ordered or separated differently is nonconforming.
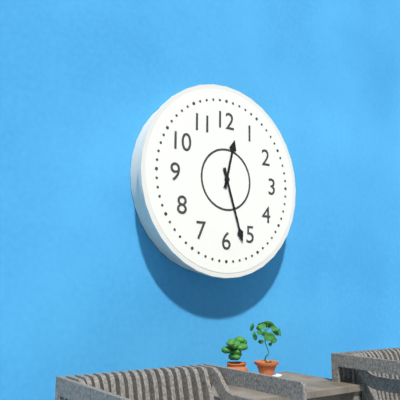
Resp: 12,27
